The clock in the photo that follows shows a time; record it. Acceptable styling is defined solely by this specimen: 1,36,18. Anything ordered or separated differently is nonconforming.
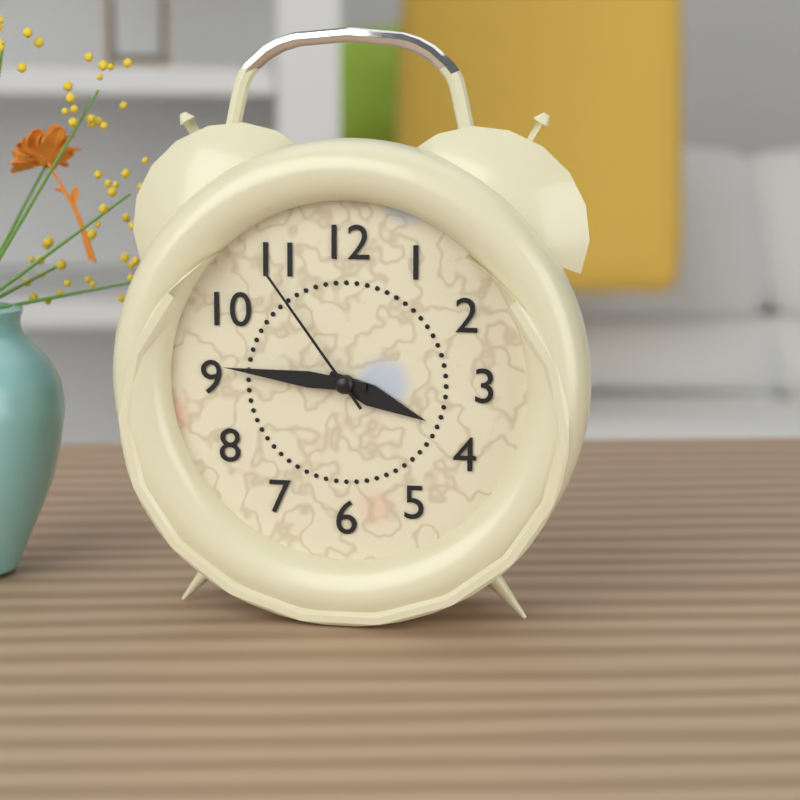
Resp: 3,46,54
